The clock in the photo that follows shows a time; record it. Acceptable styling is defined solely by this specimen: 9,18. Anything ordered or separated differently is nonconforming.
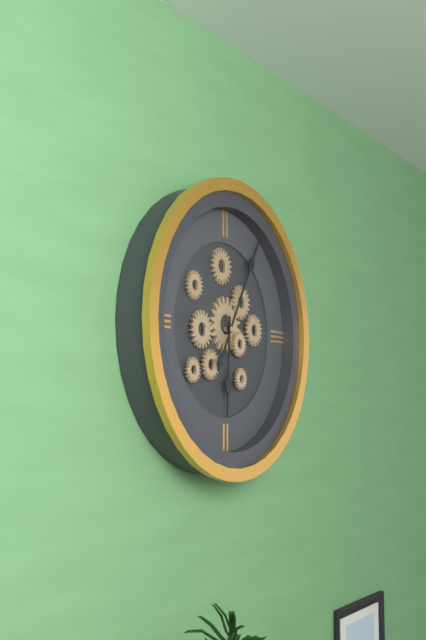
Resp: 6,05
